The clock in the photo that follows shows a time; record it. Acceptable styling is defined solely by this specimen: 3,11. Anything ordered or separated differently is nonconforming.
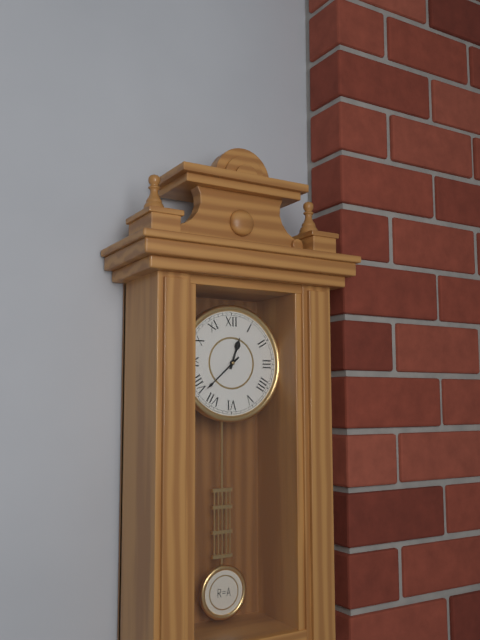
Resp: 12,38
